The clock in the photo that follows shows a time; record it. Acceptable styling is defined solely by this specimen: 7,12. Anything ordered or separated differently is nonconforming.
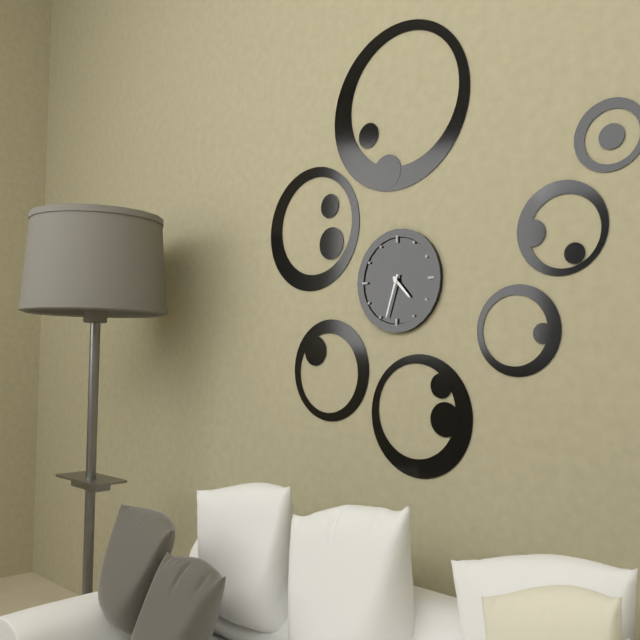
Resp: 4,33
